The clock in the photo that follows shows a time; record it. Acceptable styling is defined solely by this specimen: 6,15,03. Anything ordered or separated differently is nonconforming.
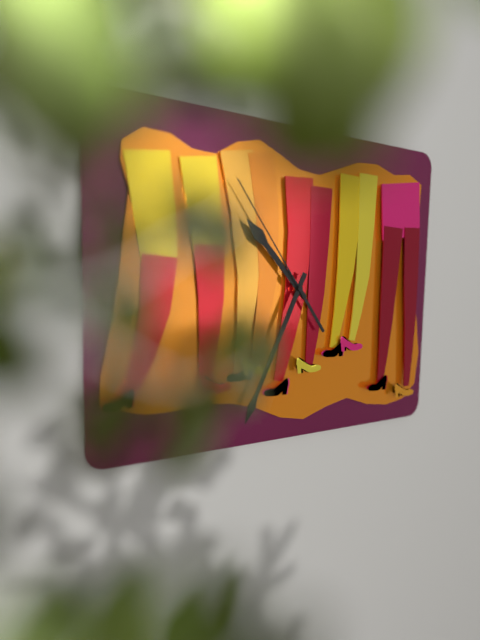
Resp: 10,34,54
